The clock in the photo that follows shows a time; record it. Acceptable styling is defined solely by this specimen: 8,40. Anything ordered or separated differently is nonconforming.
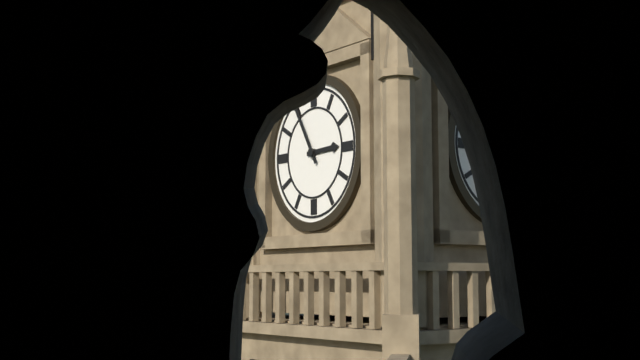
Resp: 2,55
